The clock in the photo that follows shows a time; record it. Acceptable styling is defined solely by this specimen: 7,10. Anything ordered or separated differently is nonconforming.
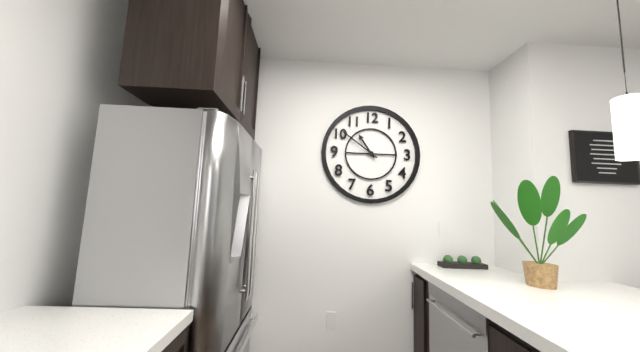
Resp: 10,51
